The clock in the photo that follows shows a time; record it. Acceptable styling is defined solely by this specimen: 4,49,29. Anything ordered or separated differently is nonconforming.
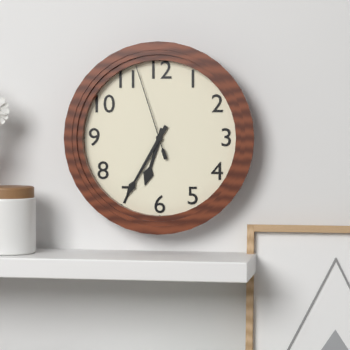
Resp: 6,35,57
